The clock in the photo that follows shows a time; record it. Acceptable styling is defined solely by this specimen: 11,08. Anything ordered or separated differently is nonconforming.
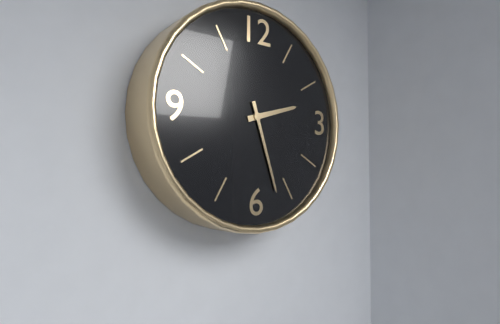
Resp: 2,27
